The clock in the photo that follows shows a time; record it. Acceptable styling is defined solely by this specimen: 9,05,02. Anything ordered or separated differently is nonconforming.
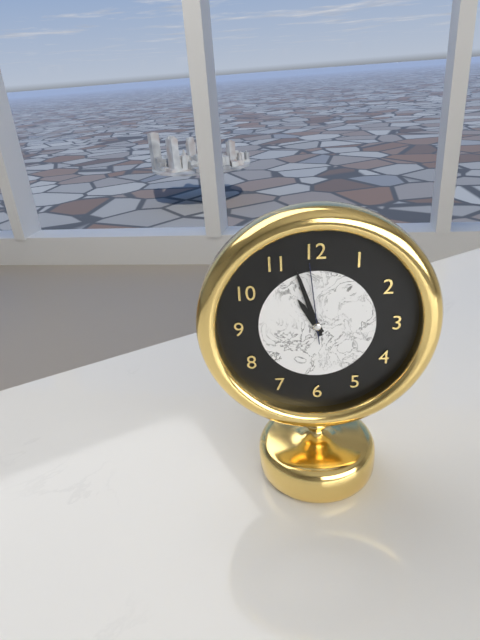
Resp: 10,57,59
